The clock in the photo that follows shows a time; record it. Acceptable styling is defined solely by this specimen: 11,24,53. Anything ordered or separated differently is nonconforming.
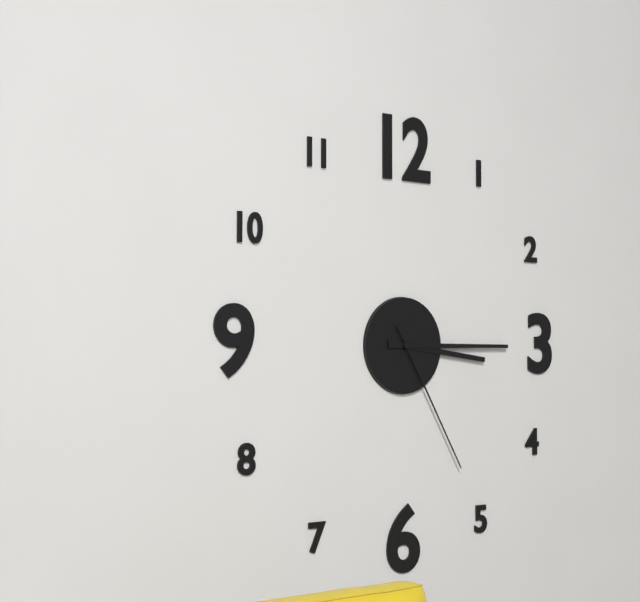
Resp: 3,15,25
